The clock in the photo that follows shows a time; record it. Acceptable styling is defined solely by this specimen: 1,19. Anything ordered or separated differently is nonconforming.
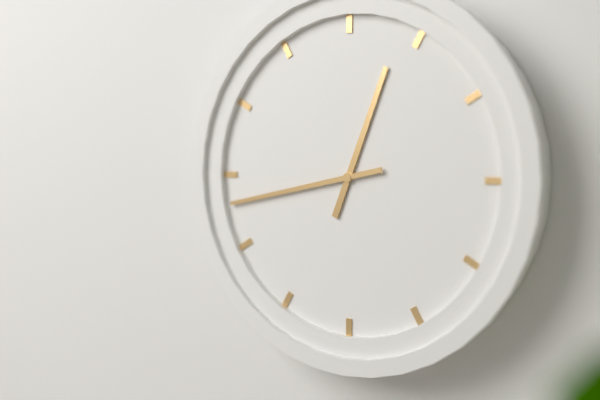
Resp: 12,43
